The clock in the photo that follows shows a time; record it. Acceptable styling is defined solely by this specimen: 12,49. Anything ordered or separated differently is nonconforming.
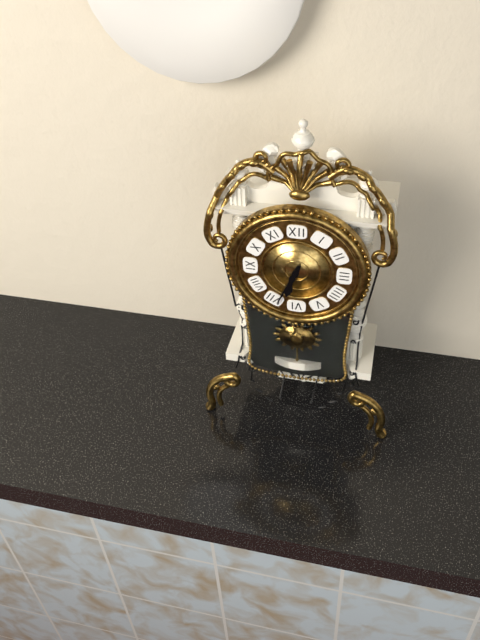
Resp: 6,34
